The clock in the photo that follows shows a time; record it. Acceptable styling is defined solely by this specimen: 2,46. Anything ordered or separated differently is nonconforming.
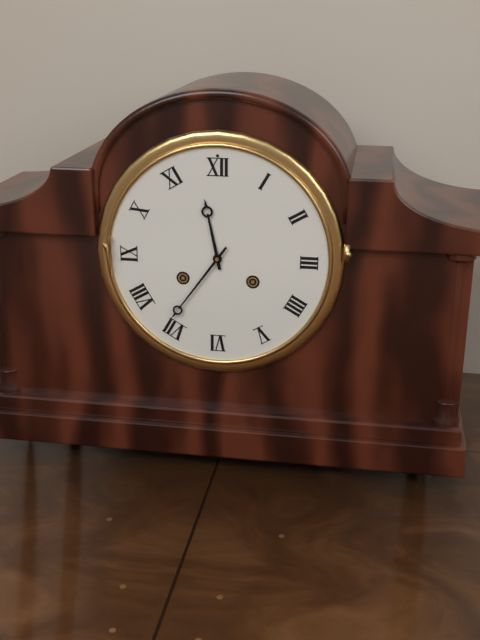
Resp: 11,36
